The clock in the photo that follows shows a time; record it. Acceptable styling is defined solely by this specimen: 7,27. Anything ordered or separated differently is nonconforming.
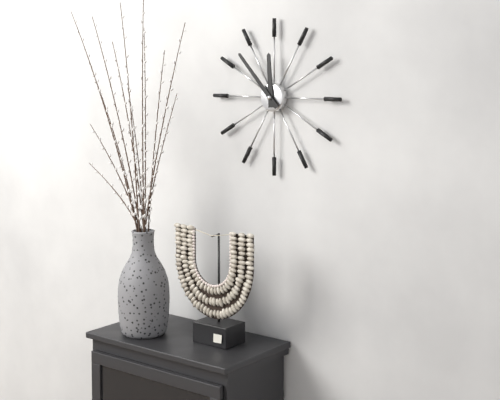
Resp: 11,53
